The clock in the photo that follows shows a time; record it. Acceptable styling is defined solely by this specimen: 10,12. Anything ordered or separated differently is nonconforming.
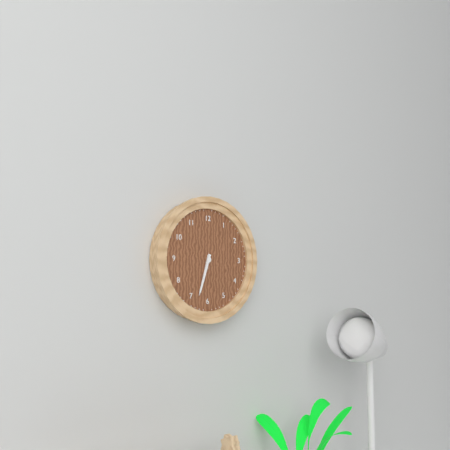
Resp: 6,33
